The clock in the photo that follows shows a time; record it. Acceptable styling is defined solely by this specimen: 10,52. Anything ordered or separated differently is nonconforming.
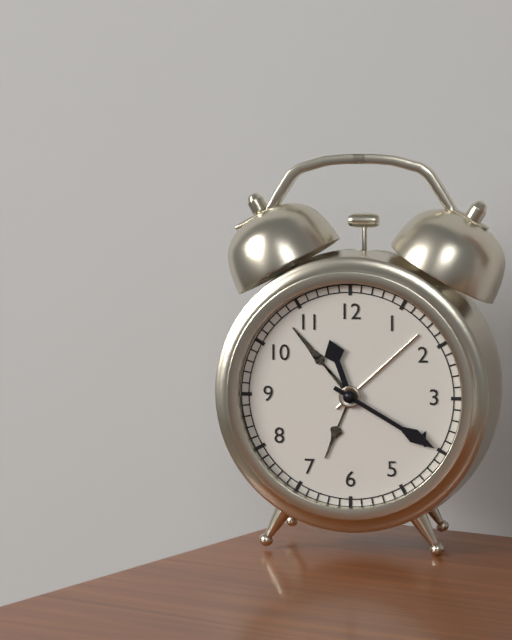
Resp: 11,20
